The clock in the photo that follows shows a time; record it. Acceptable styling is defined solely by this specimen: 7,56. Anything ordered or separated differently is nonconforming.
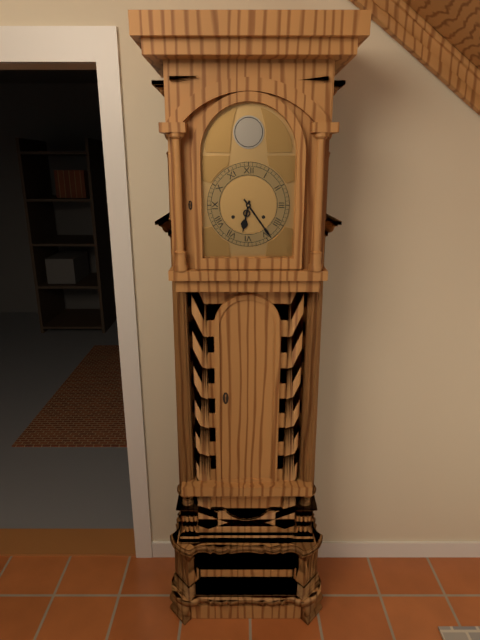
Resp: 6,24
